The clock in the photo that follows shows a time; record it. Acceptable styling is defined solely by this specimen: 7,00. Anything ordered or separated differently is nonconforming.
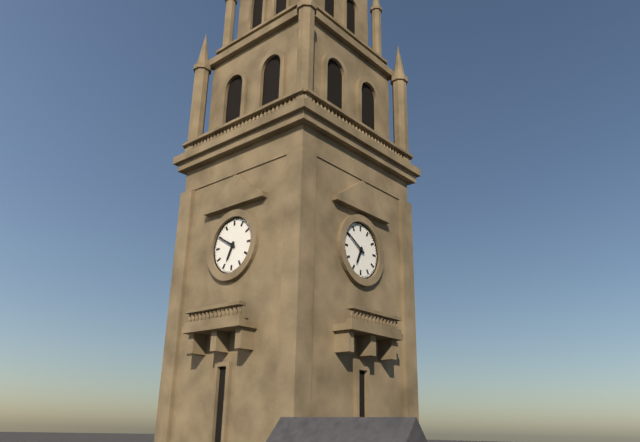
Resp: 6,50
